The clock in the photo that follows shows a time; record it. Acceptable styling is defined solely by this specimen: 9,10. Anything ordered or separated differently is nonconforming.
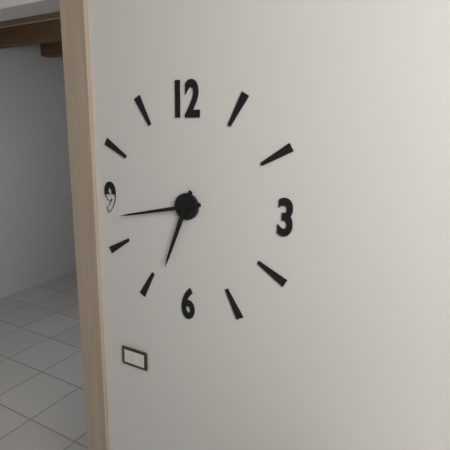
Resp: 6,43
